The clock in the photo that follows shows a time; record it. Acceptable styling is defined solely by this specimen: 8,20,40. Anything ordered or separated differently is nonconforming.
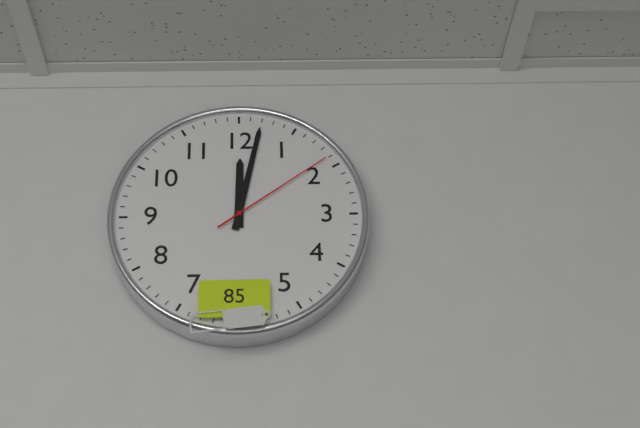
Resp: 12,02,09
